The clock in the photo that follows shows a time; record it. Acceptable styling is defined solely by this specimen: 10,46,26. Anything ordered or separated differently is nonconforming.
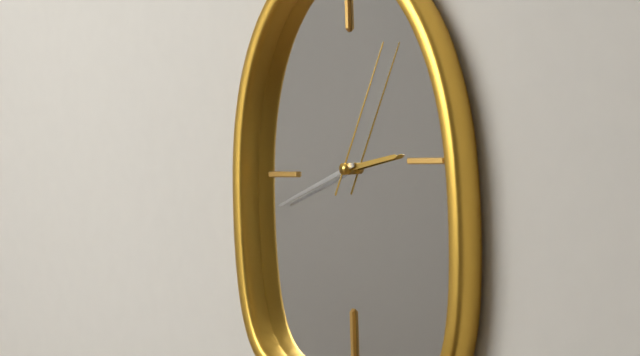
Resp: 2,42,05
